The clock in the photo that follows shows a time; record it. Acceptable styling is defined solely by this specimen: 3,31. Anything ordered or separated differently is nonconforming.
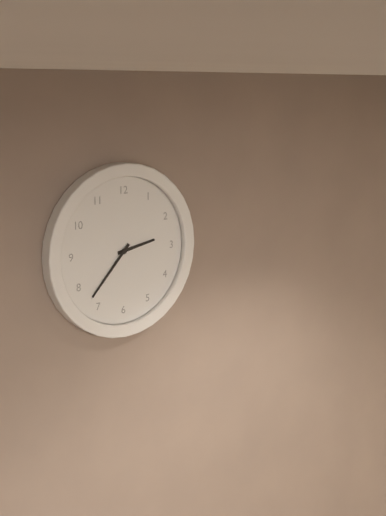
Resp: 2,37
